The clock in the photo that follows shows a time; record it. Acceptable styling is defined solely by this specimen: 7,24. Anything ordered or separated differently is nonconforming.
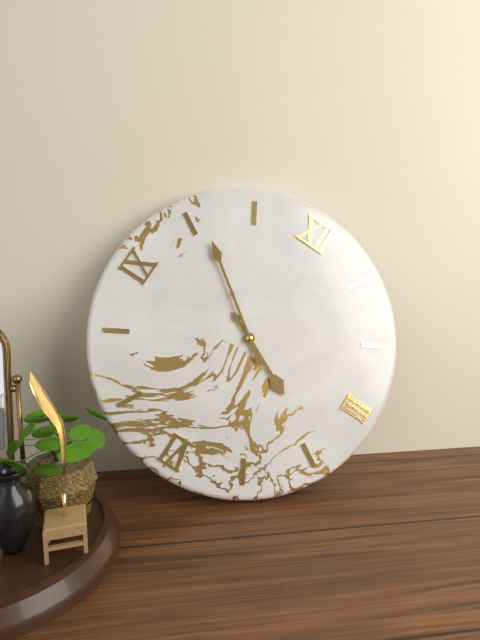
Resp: 3,51
